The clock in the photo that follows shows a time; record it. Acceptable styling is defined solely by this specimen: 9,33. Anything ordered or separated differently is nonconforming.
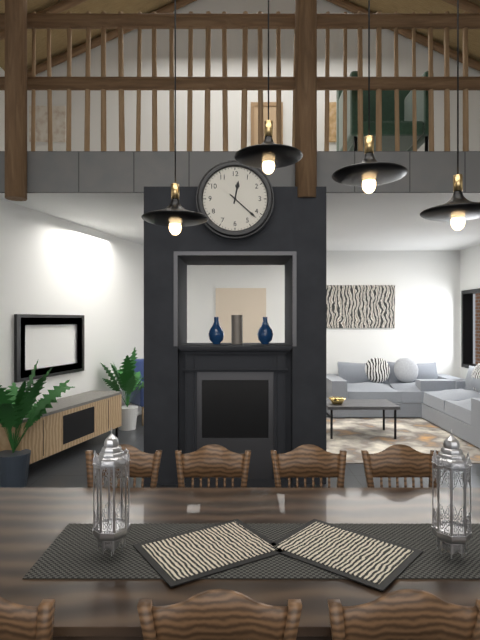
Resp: 12,22
